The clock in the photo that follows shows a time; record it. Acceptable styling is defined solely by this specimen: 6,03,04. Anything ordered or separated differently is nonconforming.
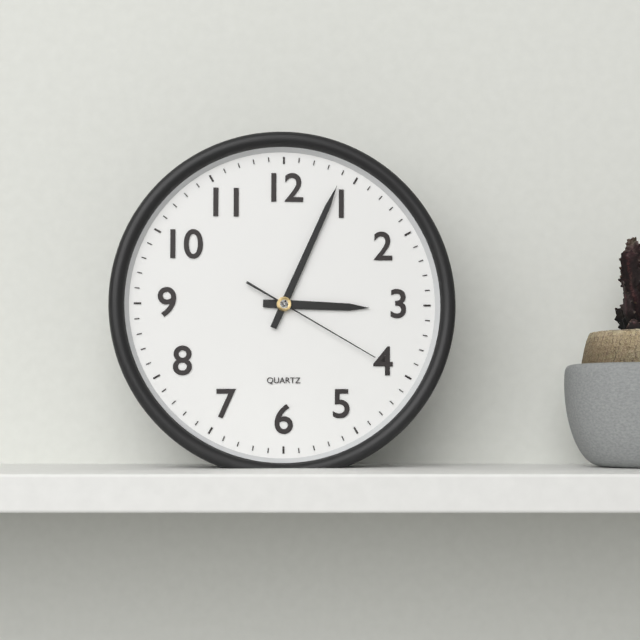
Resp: 3,04,20
